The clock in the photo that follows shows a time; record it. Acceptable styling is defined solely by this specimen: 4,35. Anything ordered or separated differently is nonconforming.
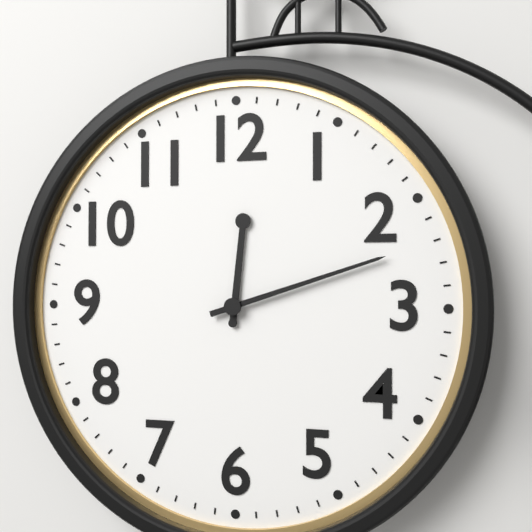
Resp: 12,12
